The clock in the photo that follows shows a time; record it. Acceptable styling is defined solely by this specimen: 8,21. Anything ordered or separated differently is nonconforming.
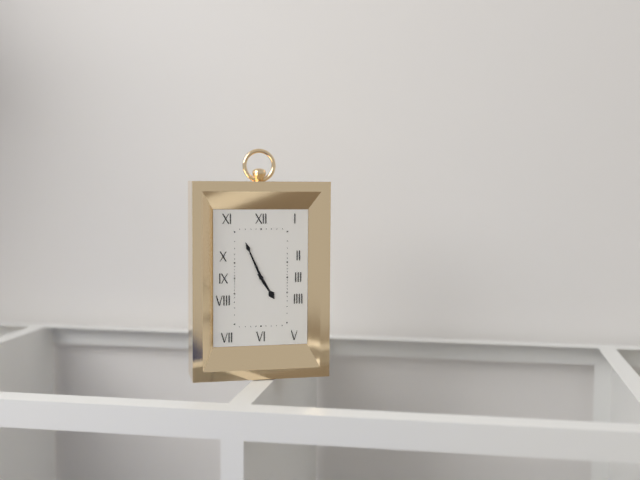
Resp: 4,56
